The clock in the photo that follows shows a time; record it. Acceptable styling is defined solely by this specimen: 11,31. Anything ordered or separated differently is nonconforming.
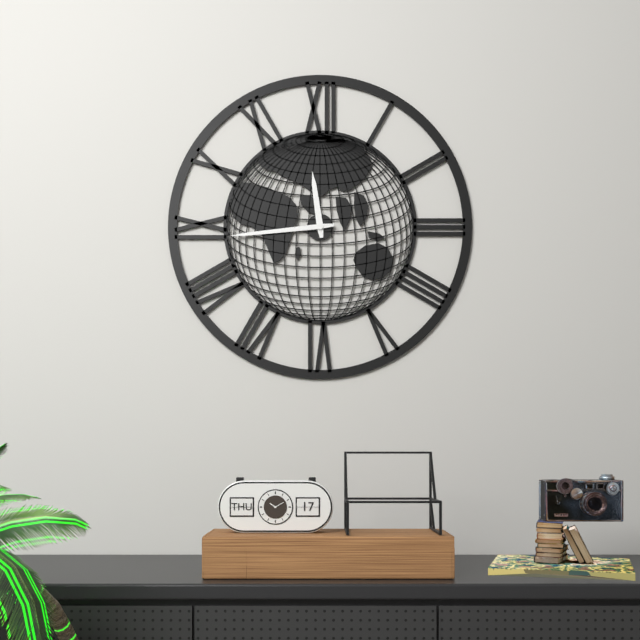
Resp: 11,44
